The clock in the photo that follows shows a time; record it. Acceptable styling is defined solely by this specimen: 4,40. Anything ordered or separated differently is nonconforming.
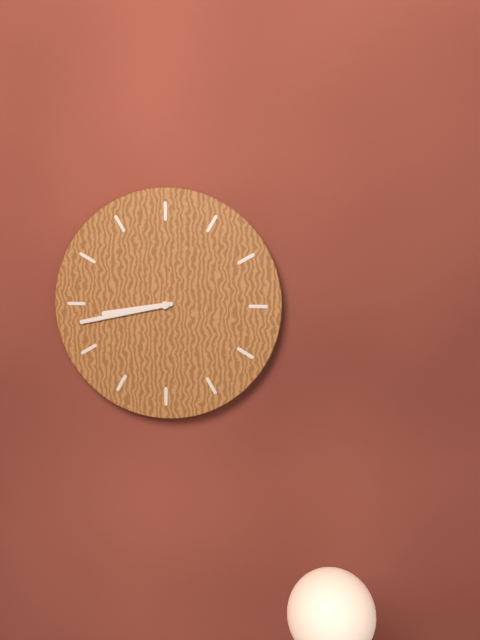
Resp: 8,43
